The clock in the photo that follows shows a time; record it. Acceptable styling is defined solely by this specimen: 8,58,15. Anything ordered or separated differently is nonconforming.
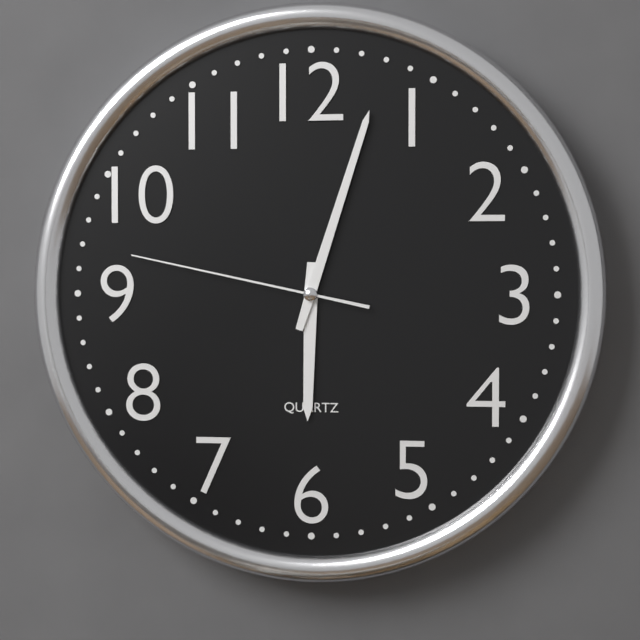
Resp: 6,03,47
